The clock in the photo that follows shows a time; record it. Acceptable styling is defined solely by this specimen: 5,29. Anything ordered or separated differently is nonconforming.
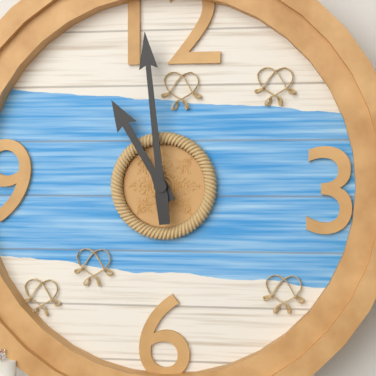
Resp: 10,59
